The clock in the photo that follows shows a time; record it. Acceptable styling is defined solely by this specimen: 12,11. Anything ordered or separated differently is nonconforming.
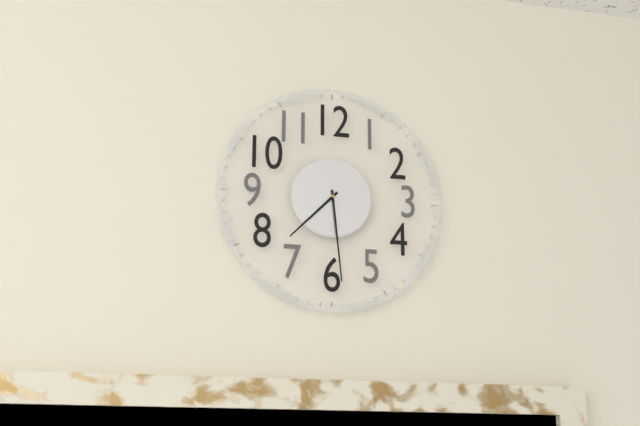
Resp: 7,29
